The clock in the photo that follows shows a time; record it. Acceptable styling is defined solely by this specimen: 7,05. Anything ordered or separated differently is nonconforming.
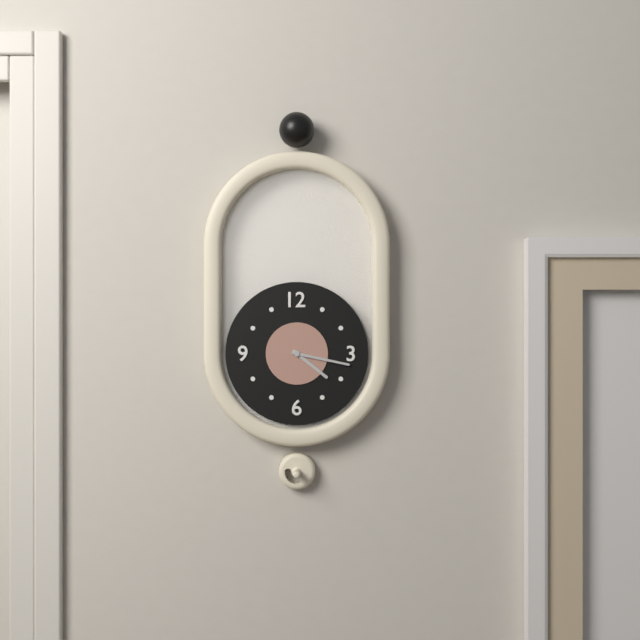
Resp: 4,17
